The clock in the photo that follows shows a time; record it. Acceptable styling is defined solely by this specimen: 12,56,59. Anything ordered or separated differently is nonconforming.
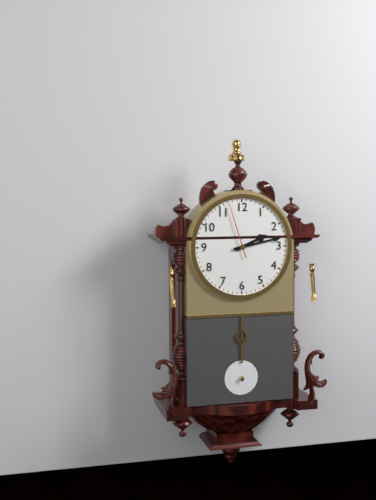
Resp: 2,13,57
